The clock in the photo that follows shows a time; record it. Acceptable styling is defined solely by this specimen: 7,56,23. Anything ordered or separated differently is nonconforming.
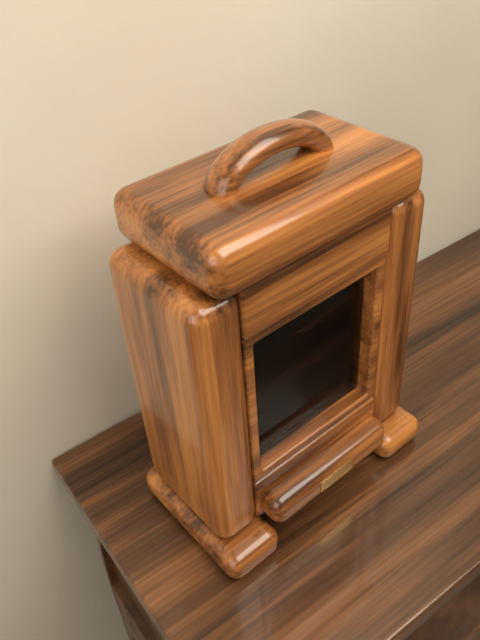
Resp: 2,41,08
